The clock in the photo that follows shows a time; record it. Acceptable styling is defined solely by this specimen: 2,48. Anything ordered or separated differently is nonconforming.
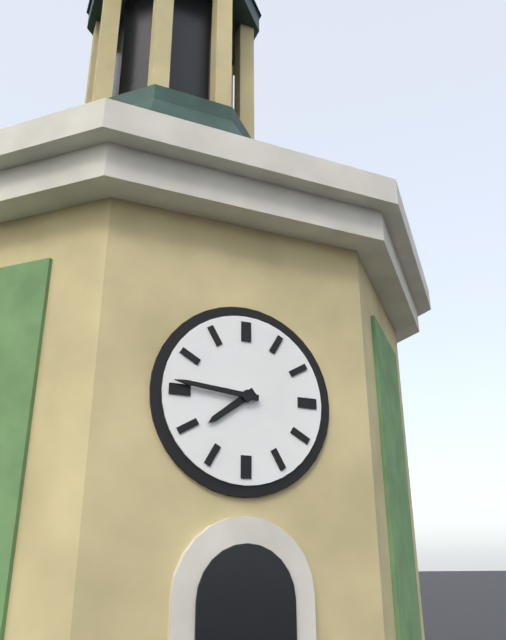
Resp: 7,46
